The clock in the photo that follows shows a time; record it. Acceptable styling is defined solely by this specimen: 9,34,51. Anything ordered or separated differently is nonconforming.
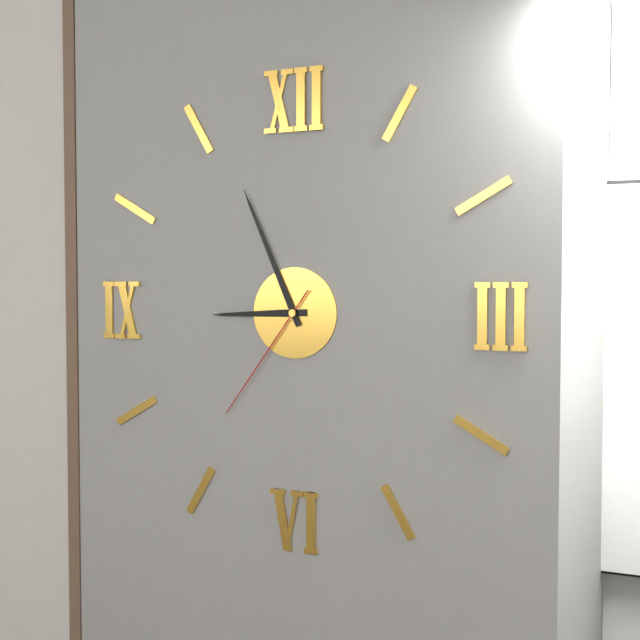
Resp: 8,56,36
